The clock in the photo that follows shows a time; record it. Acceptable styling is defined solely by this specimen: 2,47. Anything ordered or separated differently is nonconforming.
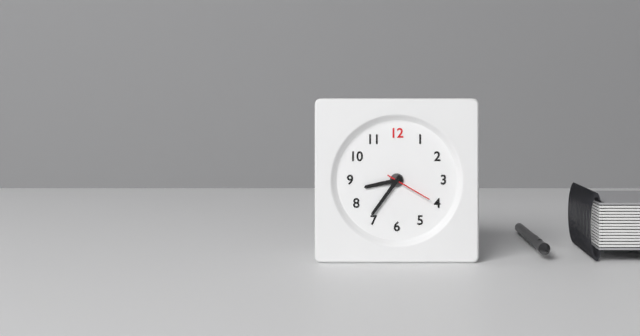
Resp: 8,36
